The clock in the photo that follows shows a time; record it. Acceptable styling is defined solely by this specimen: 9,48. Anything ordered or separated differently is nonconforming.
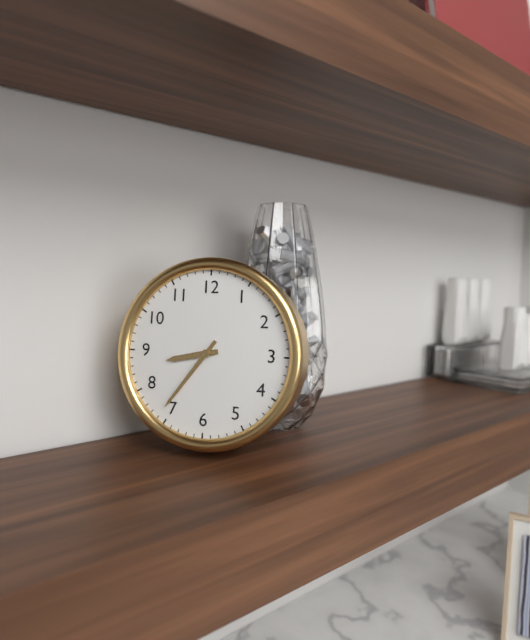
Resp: 8,36
